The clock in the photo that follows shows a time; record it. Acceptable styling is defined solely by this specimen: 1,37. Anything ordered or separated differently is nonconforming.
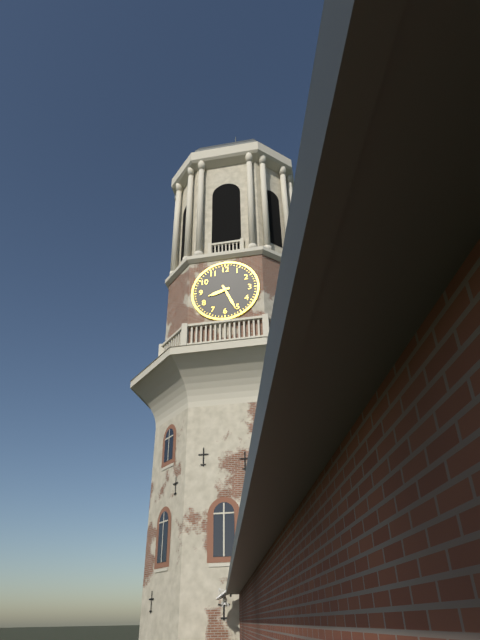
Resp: 8,26
